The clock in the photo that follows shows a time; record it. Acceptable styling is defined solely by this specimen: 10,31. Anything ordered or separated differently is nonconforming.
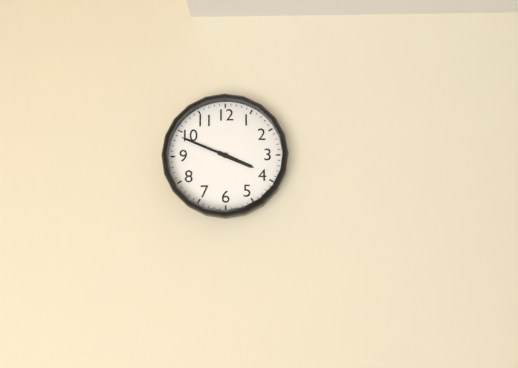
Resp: 3,49
